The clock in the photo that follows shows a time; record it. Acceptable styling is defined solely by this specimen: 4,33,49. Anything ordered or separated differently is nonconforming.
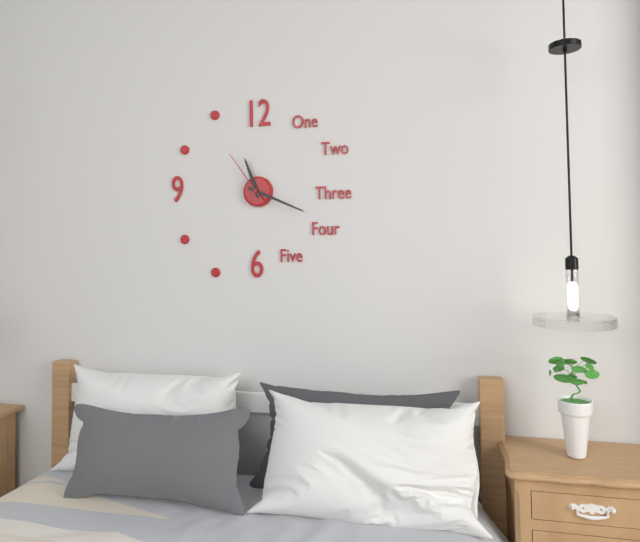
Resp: 11,19,54
